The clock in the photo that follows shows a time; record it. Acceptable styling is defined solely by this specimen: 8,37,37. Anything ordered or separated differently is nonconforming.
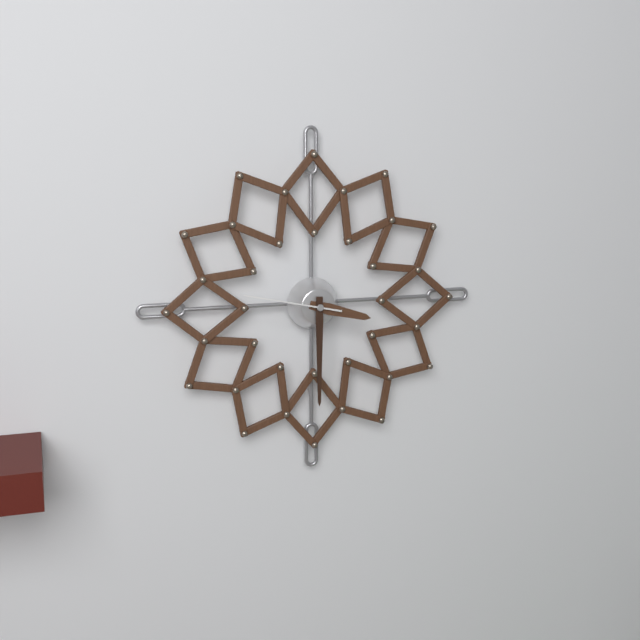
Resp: 3,30,47
